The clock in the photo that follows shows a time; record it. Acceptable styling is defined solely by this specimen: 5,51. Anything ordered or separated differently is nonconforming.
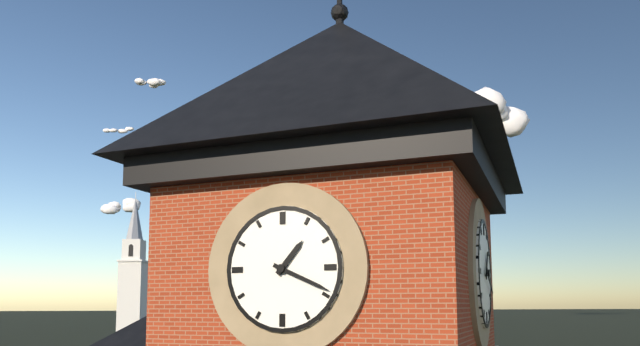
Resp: 1,19
